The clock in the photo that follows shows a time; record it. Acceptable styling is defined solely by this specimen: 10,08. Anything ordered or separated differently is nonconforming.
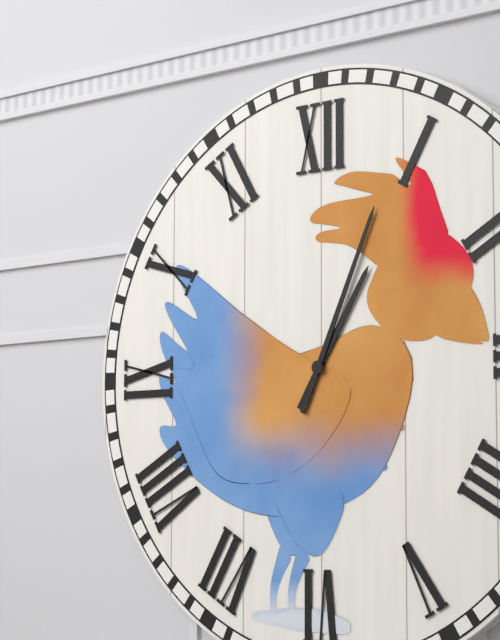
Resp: 1,04
